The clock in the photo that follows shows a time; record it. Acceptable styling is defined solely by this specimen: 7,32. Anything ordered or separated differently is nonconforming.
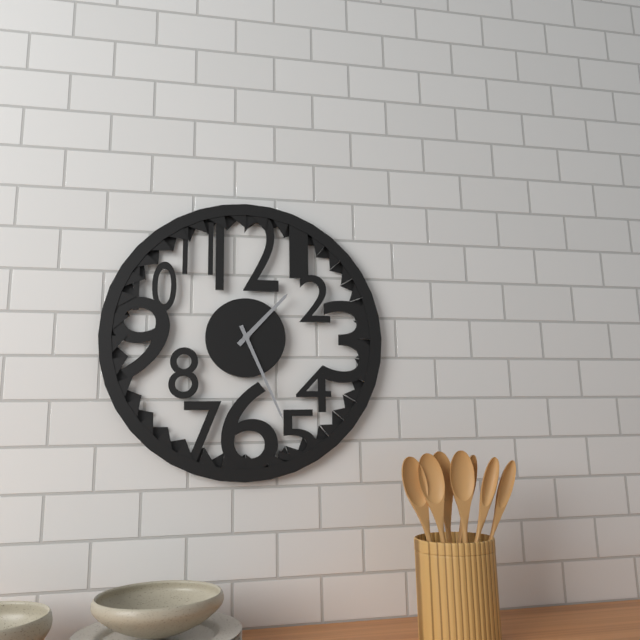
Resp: 1,26
